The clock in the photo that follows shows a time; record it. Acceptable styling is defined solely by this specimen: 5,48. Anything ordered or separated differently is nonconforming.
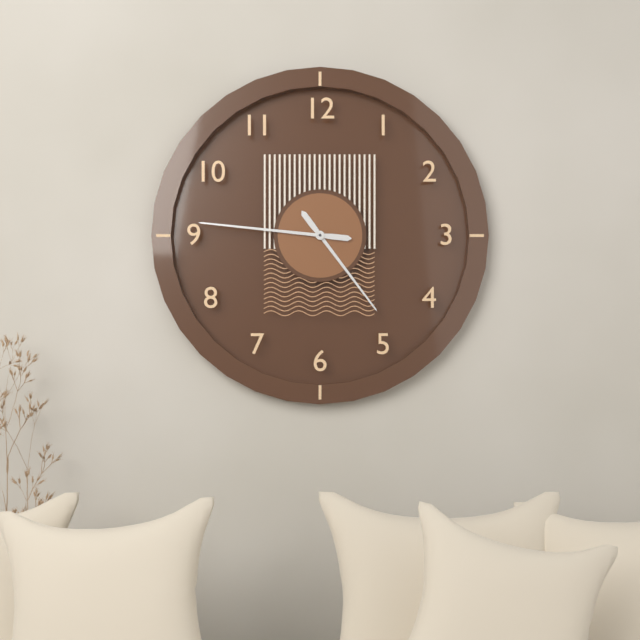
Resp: 4,46
